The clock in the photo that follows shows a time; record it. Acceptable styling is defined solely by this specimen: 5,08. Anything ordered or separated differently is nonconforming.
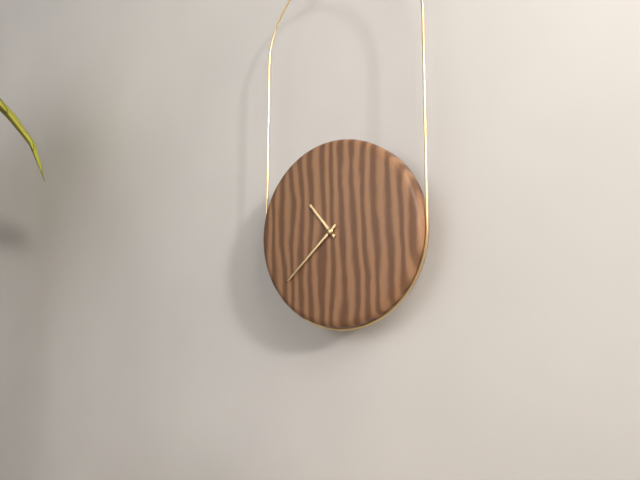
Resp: 10,38
